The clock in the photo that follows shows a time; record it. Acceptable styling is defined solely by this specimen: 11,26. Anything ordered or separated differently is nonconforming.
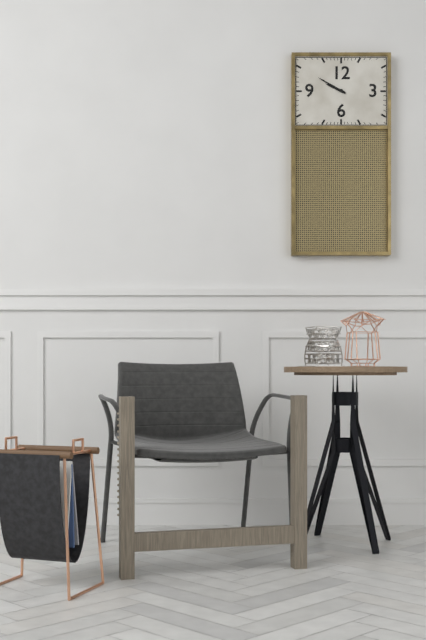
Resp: 9,50
